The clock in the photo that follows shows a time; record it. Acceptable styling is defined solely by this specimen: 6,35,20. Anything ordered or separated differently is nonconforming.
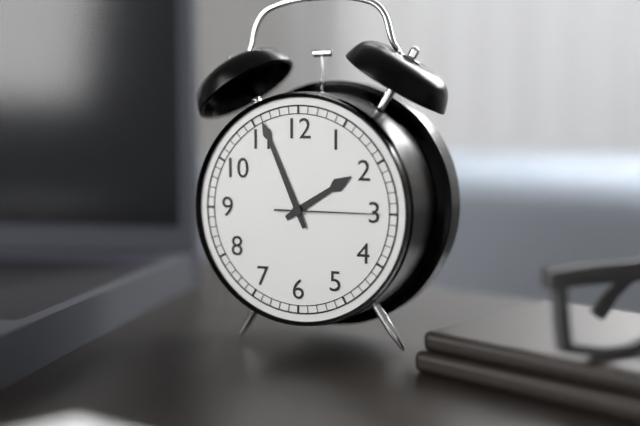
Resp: 1,56,15
